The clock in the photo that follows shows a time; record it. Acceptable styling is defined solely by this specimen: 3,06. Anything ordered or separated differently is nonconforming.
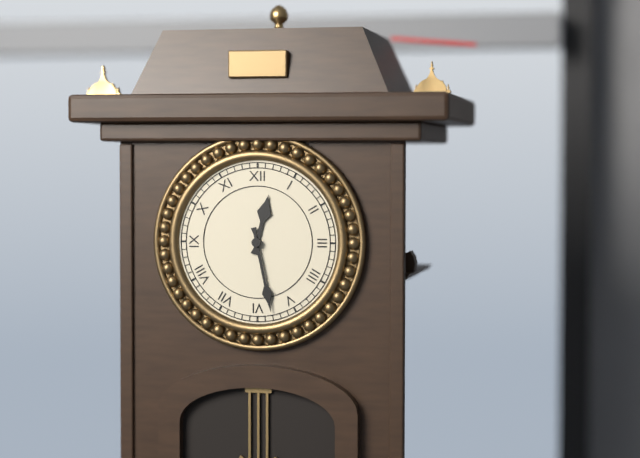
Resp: 12,28
